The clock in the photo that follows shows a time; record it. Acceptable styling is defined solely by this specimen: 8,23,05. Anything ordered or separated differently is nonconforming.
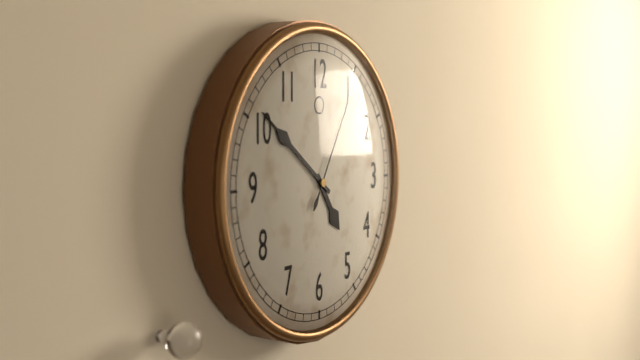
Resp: 4,51,05
